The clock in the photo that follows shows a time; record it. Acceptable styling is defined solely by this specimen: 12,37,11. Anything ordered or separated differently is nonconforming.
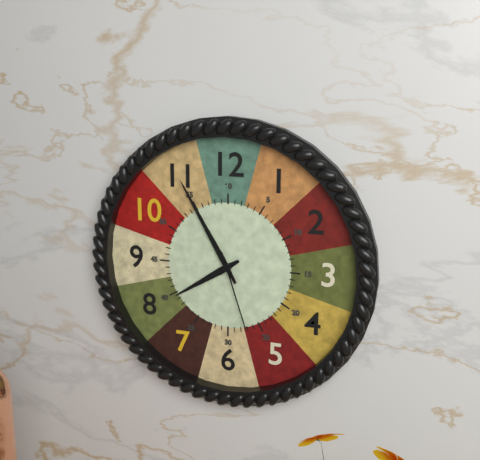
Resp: 7,55,27
